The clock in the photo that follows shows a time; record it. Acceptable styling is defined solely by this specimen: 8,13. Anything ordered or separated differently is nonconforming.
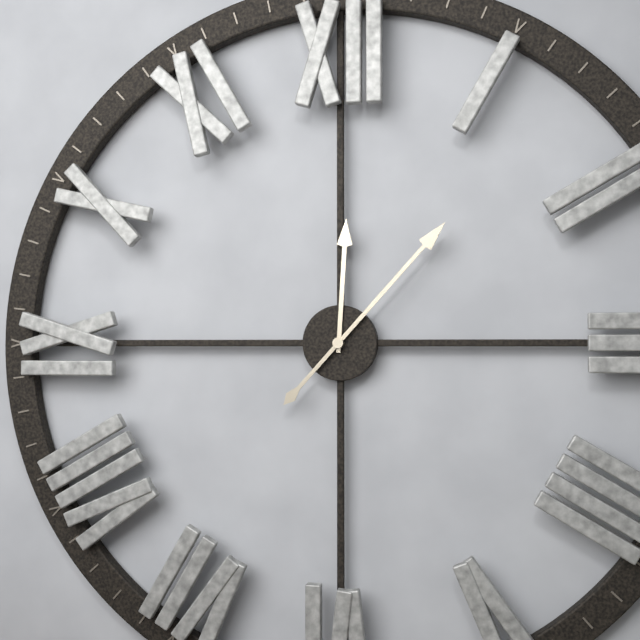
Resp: 12,07
